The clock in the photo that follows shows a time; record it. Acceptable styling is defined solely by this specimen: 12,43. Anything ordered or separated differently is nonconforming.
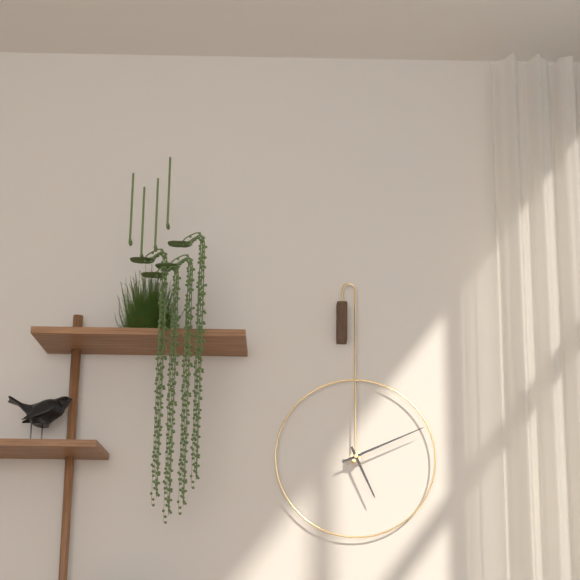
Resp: 5,11
